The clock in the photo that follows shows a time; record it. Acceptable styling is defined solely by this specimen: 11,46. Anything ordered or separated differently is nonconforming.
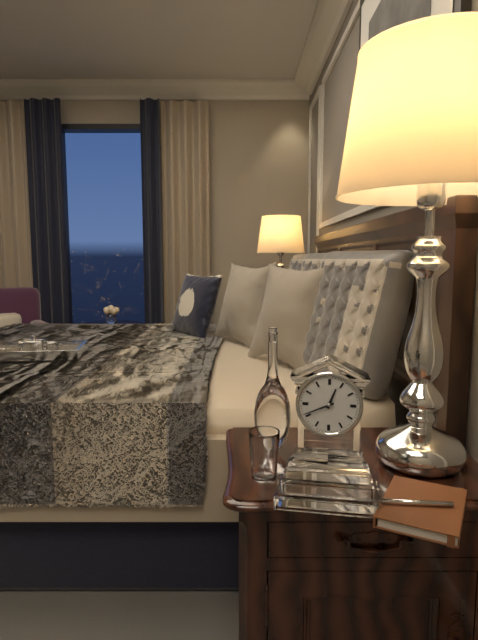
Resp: 12,41
